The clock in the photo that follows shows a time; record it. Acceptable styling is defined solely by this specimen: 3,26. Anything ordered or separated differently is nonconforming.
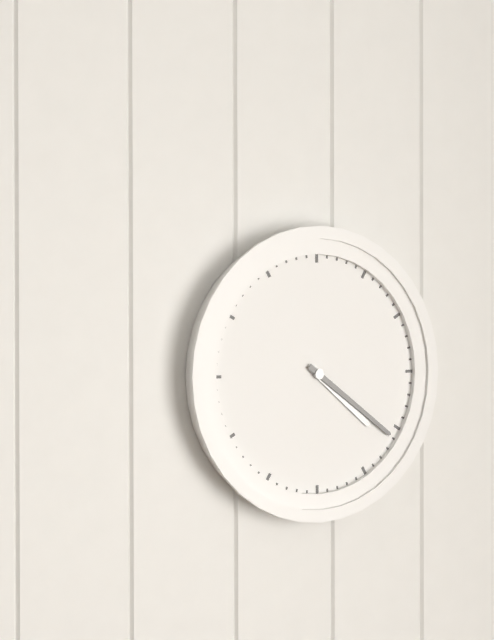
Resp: 4,21
